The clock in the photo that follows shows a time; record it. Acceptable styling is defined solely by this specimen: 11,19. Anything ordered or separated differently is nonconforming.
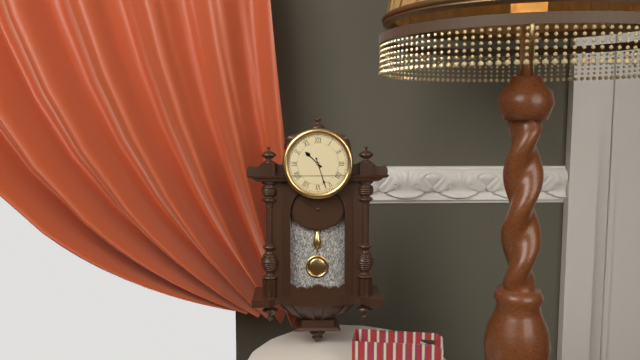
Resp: 10,27
